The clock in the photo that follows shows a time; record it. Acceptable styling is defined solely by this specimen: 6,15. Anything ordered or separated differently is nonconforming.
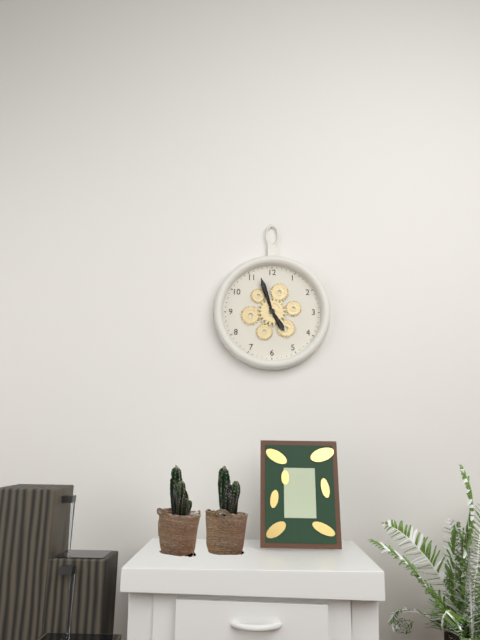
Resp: 4,57
